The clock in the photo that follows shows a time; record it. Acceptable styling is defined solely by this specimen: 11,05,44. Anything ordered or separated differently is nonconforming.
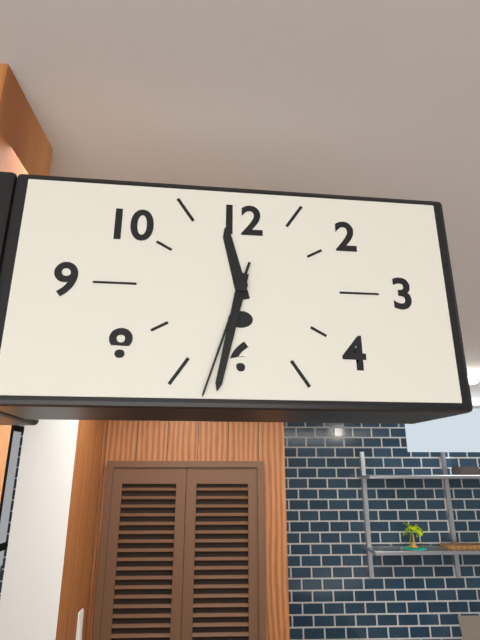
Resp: 11,32,33
